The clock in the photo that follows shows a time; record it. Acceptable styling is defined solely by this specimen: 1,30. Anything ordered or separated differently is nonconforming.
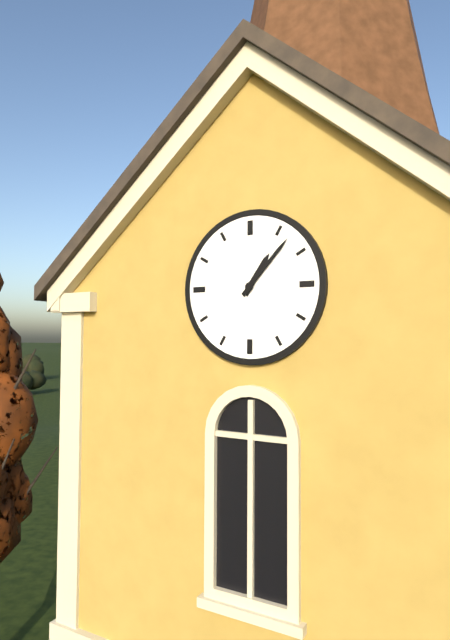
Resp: 1,07
